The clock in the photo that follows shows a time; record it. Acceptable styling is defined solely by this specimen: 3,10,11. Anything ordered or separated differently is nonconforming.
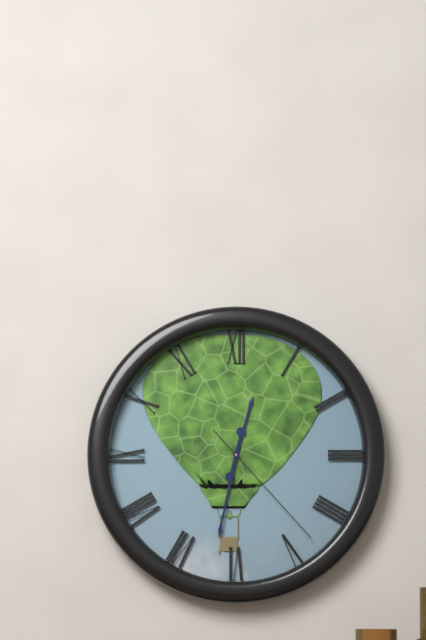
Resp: 12,32,23
